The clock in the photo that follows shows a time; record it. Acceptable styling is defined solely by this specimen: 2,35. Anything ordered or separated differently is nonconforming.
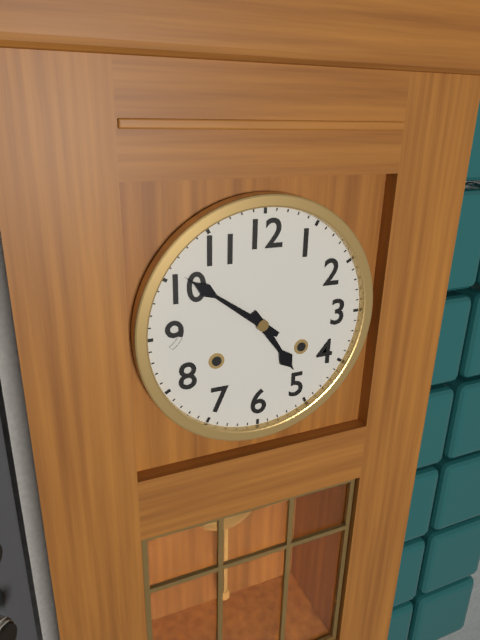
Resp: 4,51
